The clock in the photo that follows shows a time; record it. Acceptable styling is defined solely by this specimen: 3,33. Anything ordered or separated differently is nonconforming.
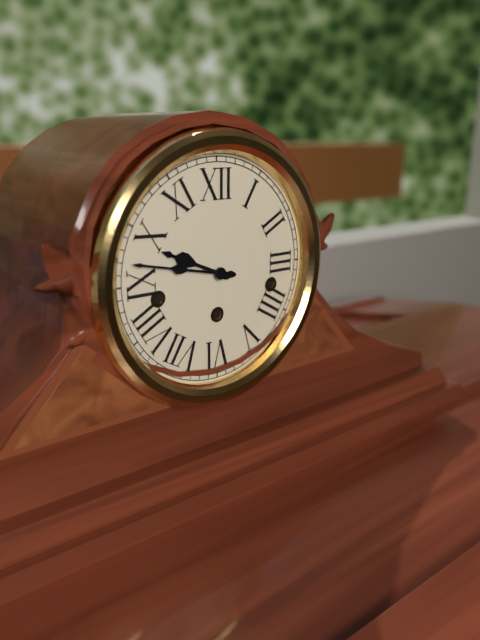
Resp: 9,47
